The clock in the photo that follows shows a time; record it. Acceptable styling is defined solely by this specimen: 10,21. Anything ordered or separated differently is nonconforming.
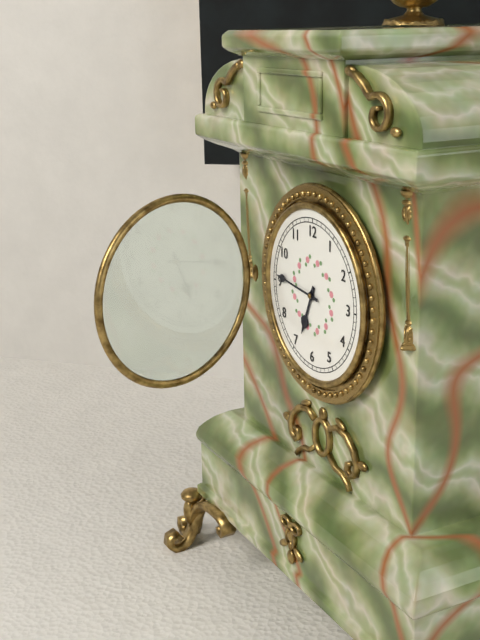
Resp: 6,46
